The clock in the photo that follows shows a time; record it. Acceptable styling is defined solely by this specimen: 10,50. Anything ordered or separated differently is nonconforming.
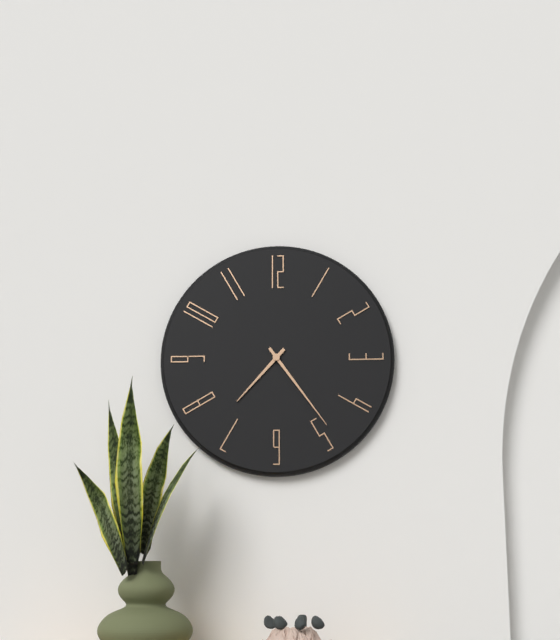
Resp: 7,24
